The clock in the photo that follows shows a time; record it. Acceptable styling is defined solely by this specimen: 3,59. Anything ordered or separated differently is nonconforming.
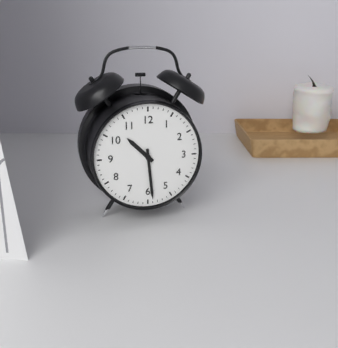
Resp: 10,29
